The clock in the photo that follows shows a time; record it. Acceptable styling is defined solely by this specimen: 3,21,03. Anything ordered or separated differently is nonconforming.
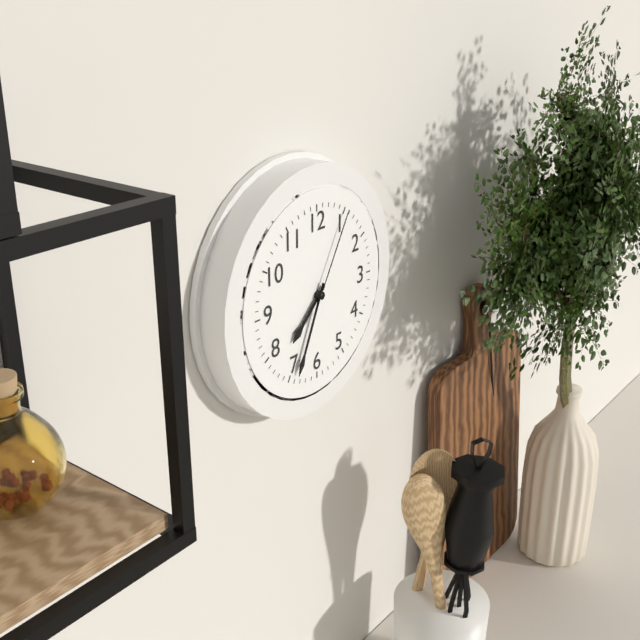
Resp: 7,34,05
